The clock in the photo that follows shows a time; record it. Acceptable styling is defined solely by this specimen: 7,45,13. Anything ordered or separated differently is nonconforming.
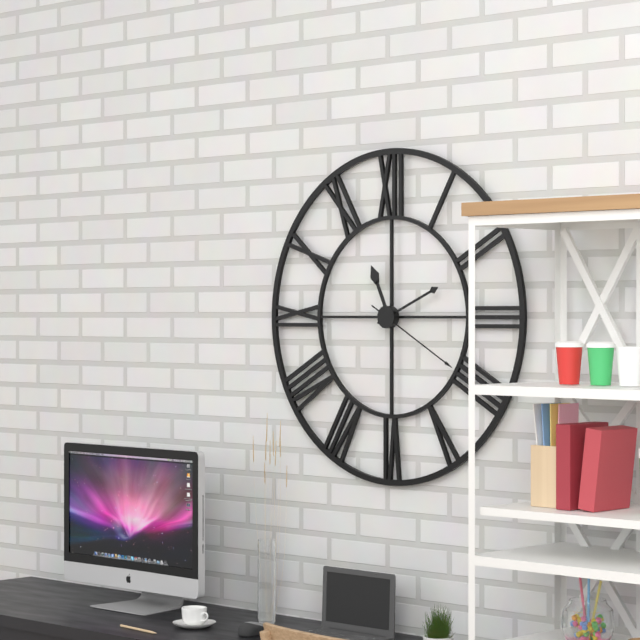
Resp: 11,11,20
